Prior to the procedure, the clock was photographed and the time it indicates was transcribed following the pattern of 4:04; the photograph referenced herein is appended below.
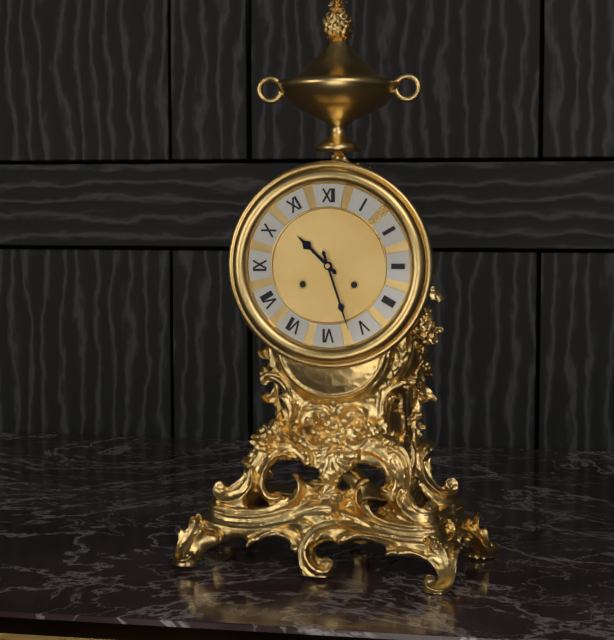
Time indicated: 10:27
